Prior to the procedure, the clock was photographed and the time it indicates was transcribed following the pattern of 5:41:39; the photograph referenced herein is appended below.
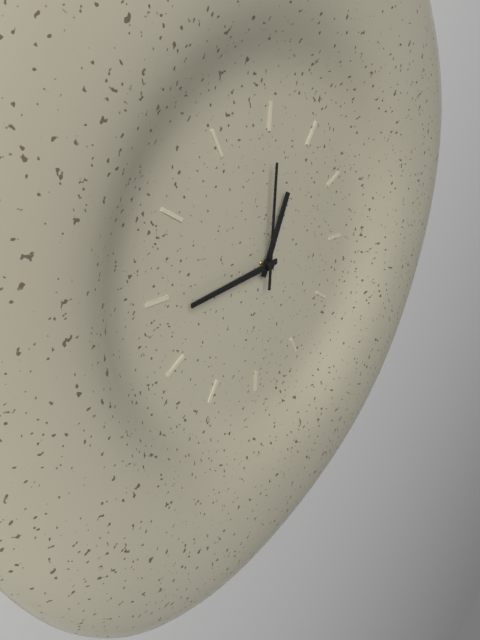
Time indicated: 12:44:00
